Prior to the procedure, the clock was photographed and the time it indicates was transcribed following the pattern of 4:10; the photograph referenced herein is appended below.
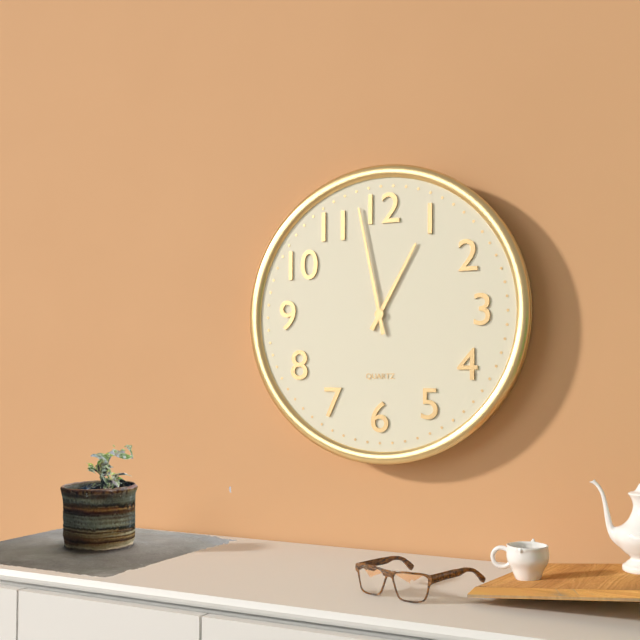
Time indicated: 12:58
